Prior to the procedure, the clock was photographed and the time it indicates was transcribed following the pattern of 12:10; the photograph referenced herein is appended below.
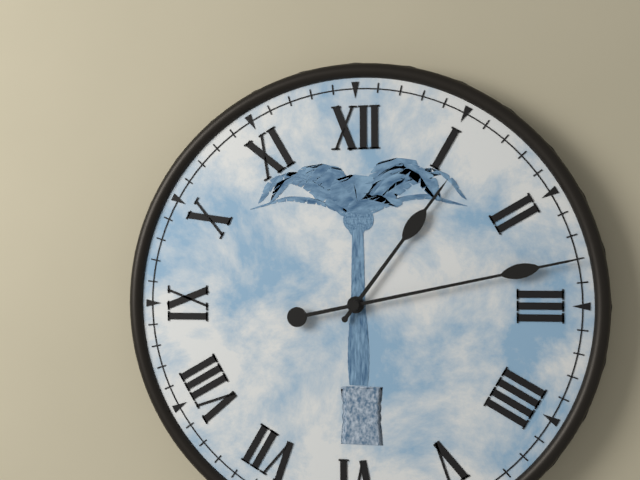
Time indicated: 1:13
